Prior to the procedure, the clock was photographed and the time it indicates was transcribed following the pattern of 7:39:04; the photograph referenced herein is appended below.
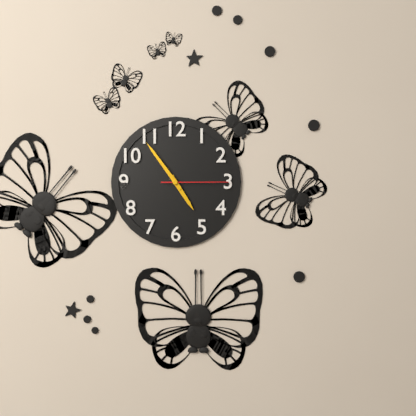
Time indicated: 4:54:15
